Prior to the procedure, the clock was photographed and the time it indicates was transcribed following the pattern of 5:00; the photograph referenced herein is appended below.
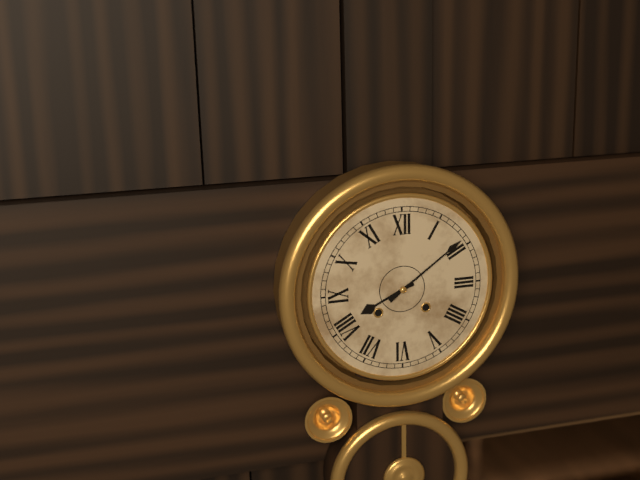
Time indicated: 8:09
